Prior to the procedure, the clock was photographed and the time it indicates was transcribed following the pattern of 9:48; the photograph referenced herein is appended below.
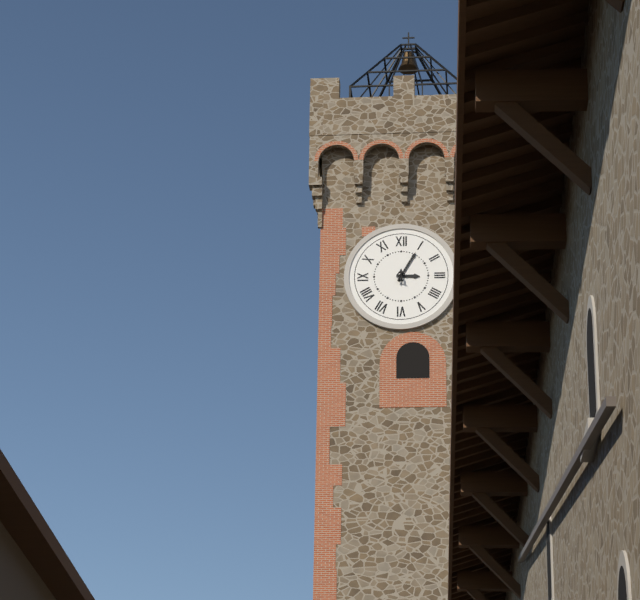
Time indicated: 3:05
